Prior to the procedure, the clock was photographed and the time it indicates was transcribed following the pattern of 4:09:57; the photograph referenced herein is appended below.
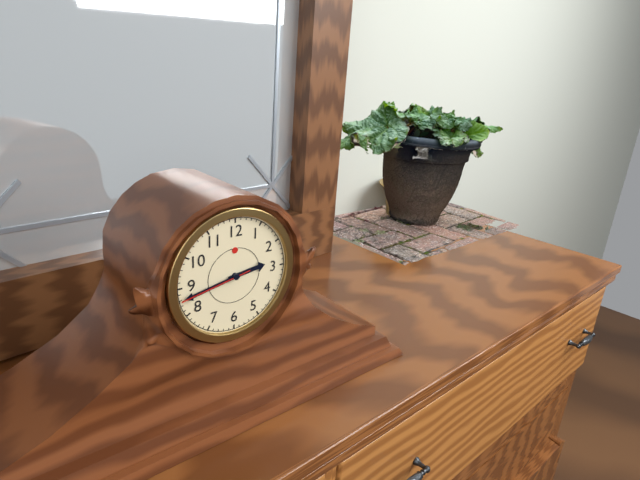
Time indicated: 2:43:43
